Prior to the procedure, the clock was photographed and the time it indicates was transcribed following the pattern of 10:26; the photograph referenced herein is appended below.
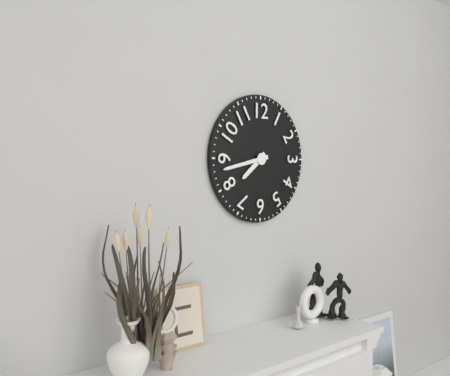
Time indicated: 7:43
